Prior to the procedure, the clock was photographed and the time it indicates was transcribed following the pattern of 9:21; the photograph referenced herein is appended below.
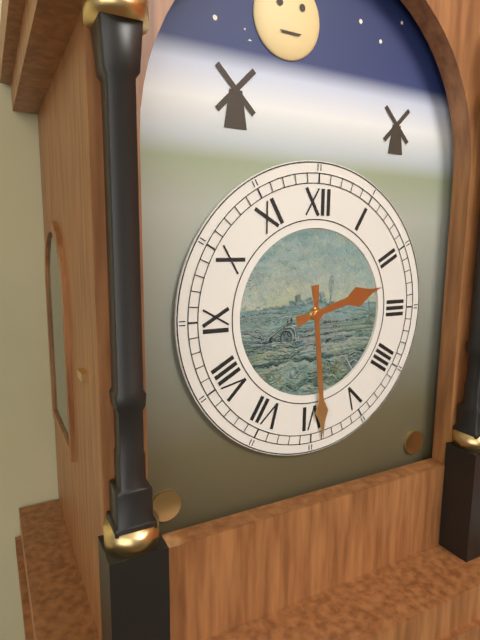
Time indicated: 2:29
